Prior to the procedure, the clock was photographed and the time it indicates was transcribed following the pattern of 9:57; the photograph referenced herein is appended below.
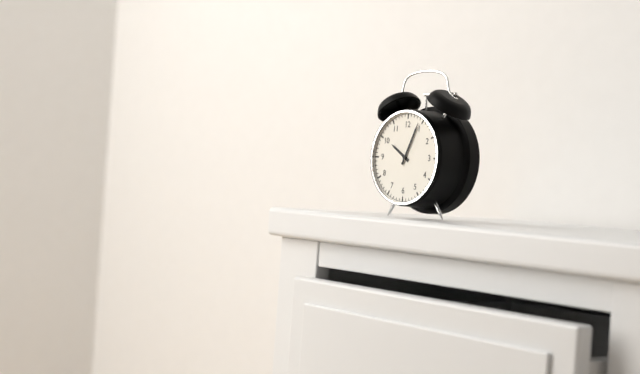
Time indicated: 10:04
